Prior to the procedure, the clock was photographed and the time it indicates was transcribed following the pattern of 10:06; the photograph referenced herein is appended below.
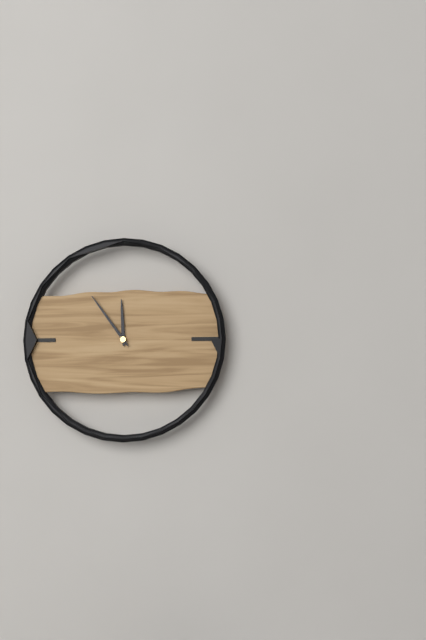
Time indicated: 11:54
